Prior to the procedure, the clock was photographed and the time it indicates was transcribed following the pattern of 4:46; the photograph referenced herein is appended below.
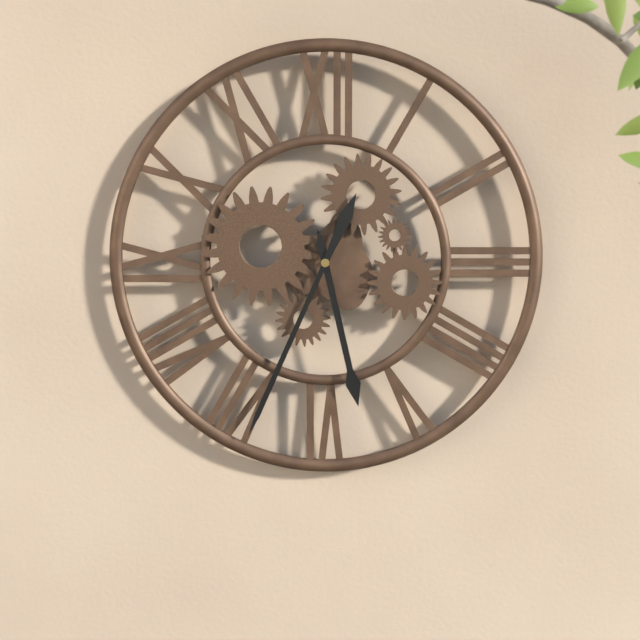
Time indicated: 5:34
